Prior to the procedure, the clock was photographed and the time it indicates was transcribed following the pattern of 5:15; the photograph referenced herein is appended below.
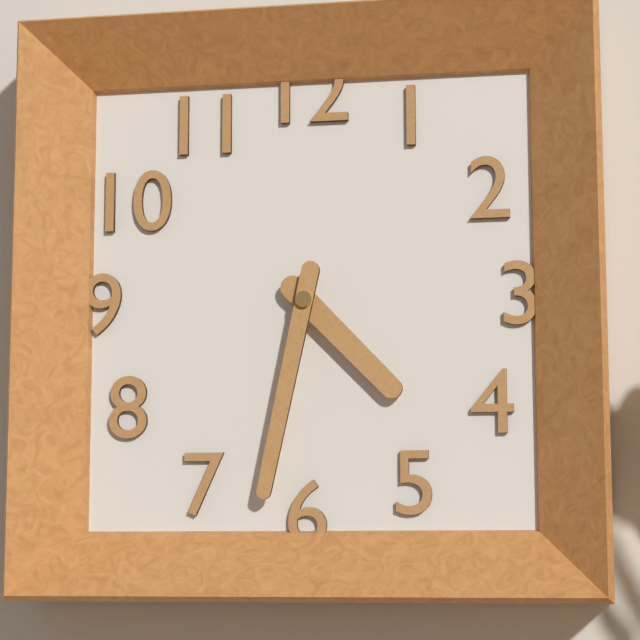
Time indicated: 4:32
